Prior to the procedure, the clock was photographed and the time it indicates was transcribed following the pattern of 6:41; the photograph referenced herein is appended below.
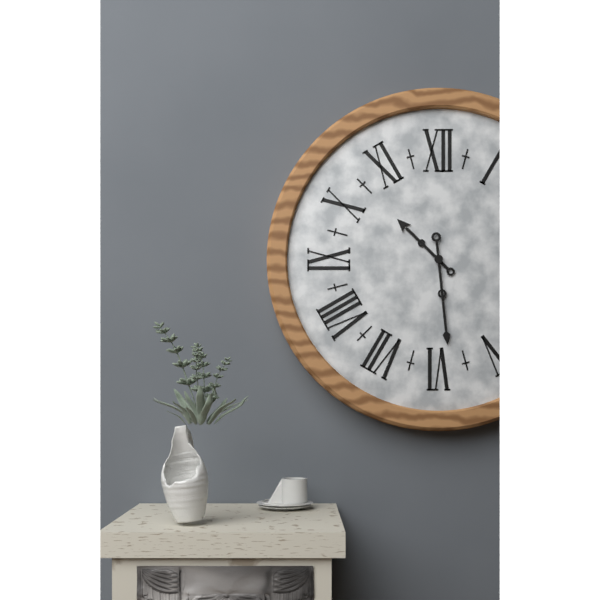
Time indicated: 10:29
